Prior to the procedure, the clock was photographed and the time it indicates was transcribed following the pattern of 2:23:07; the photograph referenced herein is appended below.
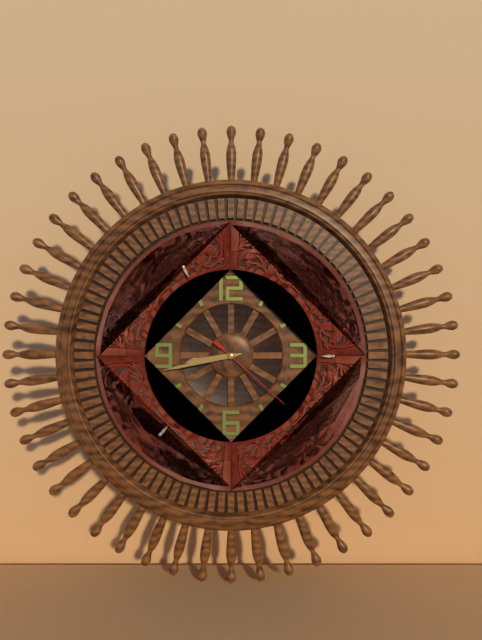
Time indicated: 8:43:22
